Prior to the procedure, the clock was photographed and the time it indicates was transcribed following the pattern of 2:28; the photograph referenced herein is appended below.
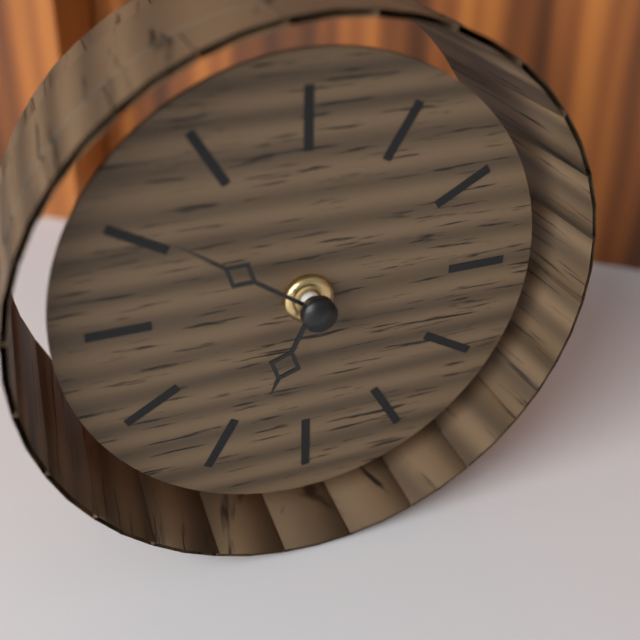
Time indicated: 6:51
